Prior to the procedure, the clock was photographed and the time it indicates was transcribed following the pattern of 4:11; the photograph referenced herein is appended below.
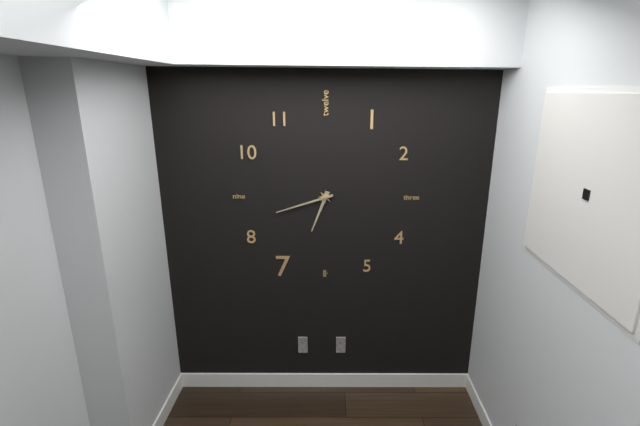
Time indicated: 6:42
